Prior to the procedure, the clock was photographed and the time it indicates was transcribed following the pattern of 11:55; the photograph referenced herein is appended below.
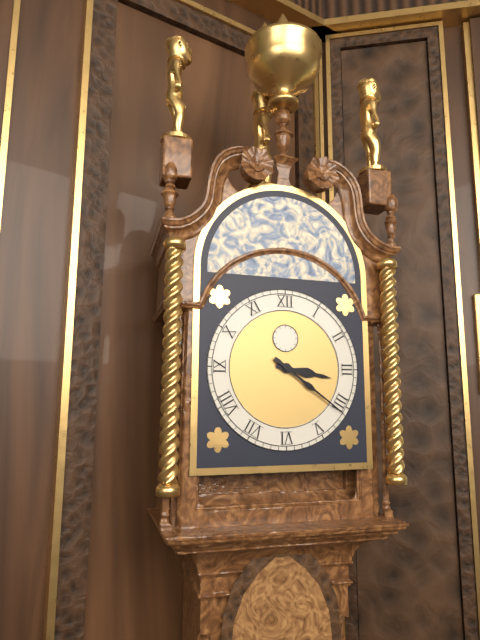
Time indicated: 3:21
